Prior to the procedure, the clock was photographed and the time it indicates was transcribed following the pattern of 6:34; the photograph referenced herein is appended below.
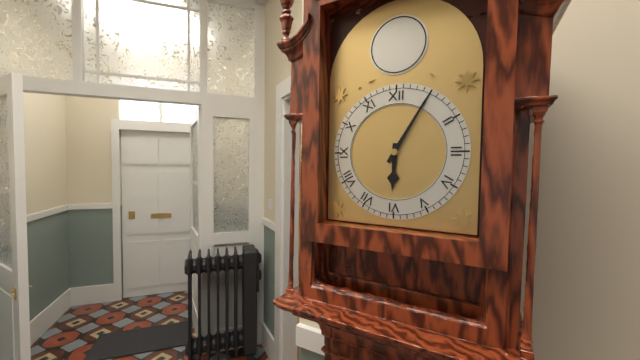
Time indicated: 6:05
